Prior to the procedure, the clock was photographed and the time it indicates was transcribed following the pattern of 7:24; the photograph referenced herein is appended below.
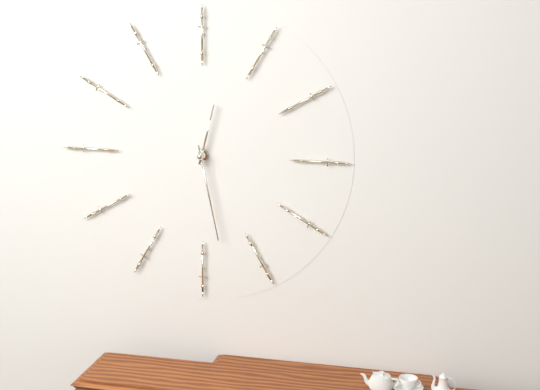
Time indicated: 12:28
